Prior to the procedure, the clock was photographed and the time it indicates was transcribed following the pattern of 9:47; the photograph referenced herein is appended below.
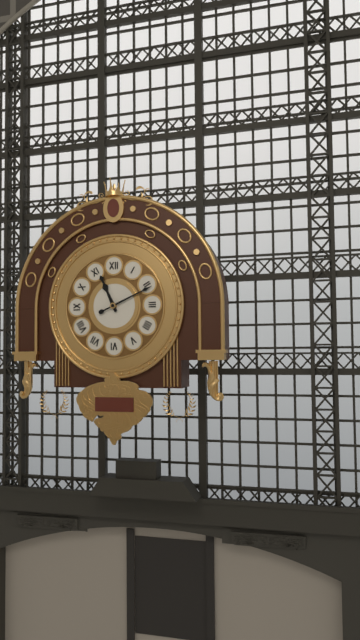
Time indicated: 11:11
